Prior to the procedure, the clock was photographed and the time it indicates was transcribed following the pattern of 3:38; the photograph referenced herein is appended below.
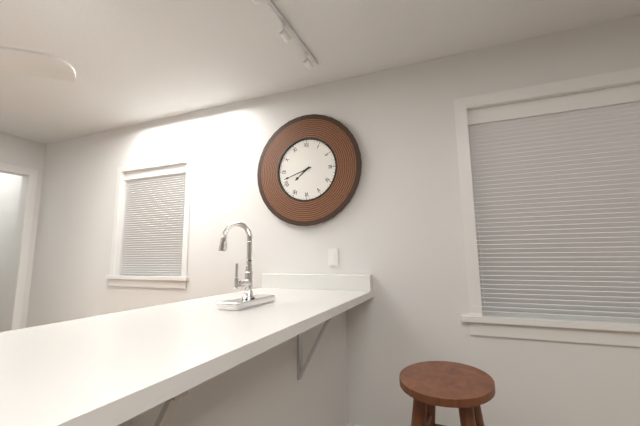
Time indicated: 7:42
